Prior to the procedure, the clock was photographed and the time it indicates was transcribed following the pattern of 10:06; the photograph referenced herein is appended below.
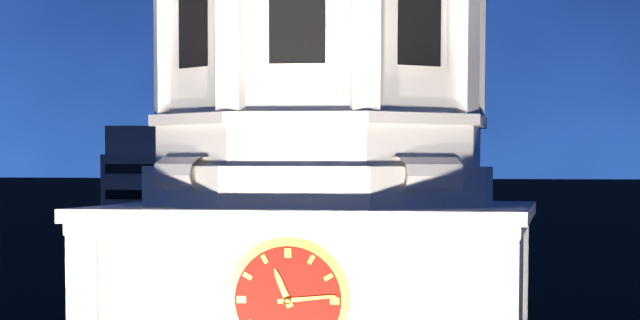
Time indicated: 11:14
